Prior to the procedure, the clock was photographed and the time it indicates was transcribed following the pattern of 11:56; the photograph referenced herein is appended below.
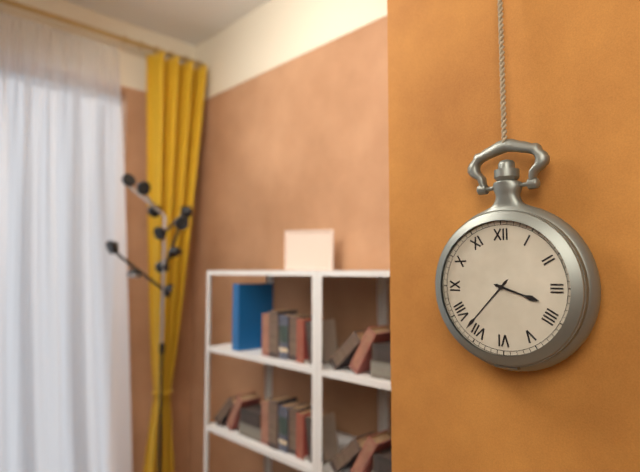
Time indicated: 3:37
